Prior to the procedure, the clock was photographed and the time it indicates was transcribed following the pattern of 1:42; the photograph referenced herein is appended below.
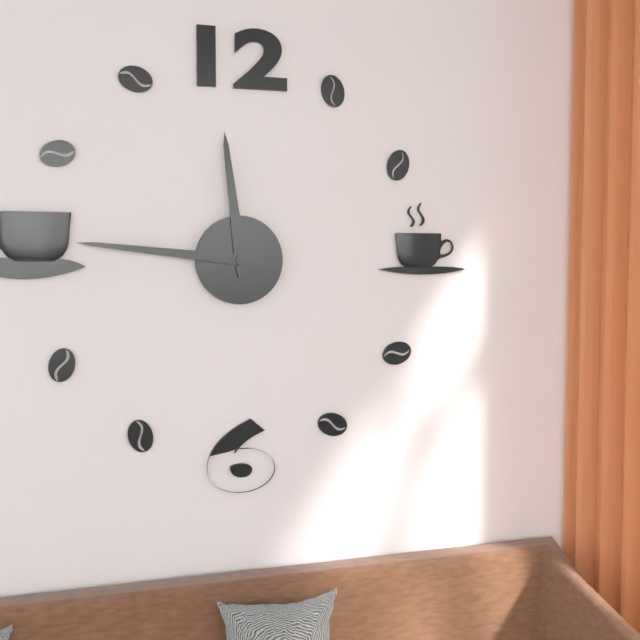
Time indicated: 11:46
